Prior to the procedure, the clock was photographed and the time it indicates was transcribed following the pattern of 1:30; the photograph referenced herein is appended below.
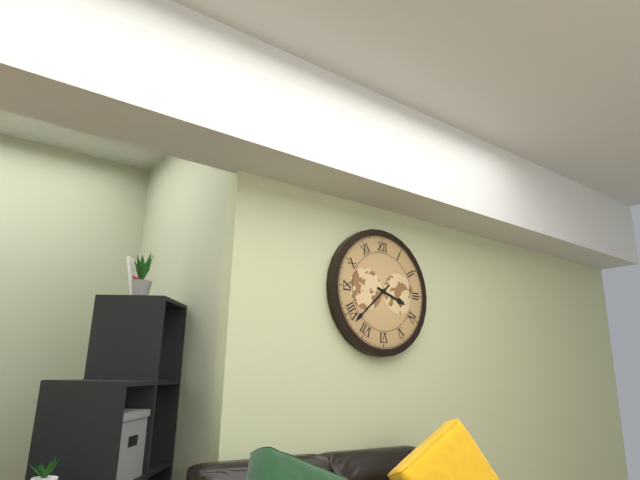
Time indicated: 3:38
